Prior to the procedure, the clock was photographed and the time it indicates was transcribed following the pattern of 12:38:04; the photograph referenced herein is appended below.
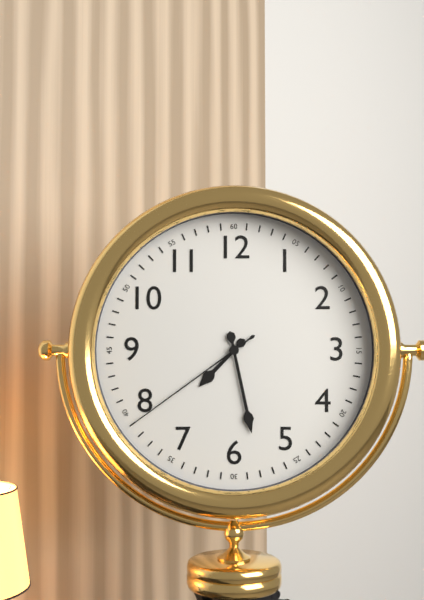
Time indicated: 7:28:39
